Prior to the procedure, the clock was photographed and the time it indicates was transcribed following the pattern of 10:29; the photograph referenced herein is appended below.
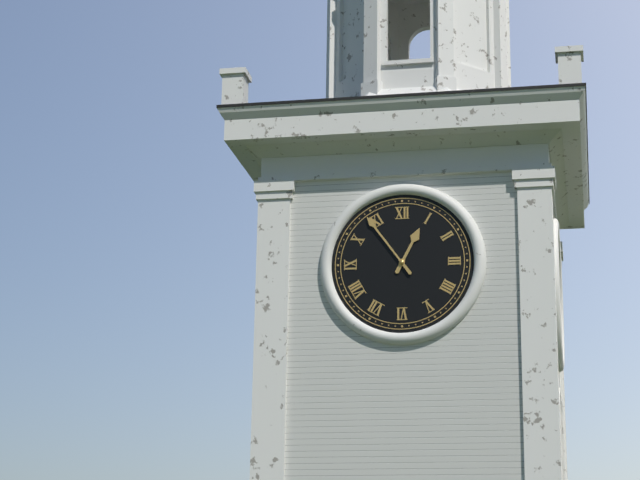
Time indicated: 12:54
